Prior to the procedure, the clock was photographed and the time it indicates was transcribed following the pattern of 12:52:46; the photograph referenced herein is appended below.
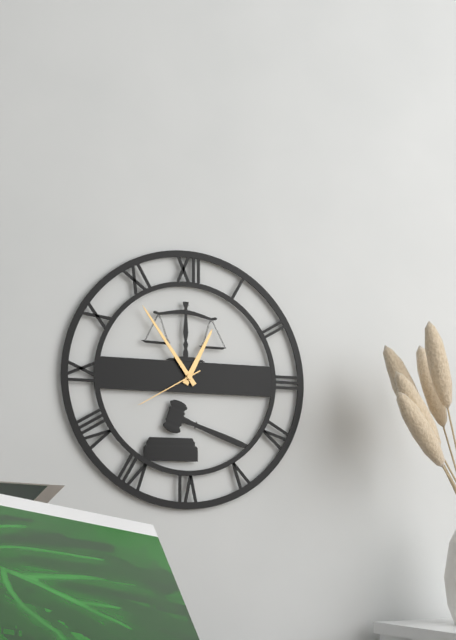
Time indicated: 12:54:40
